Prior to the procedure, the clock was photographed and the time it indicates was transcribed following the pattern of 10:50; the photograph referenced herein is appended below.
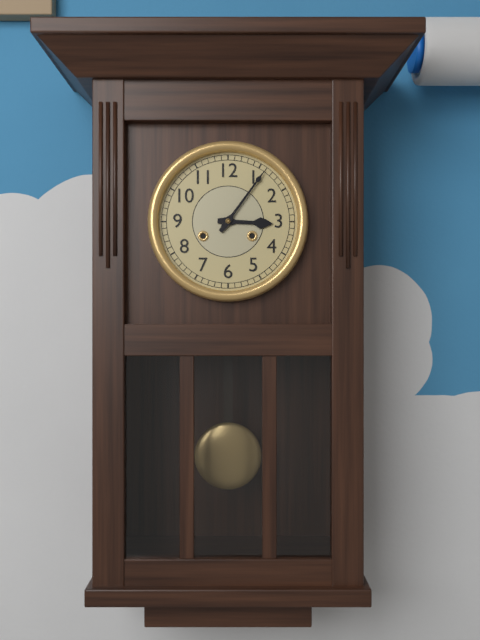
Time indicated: 3:06
